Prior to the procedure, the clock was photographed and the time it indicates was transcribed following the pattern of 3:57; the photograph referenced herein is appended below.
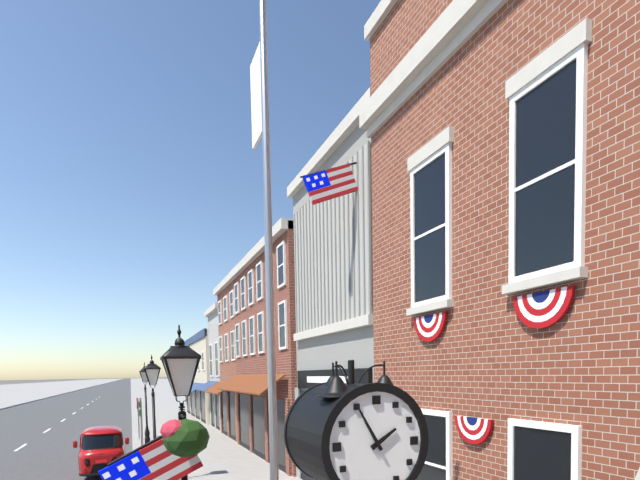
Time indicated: 1:55
